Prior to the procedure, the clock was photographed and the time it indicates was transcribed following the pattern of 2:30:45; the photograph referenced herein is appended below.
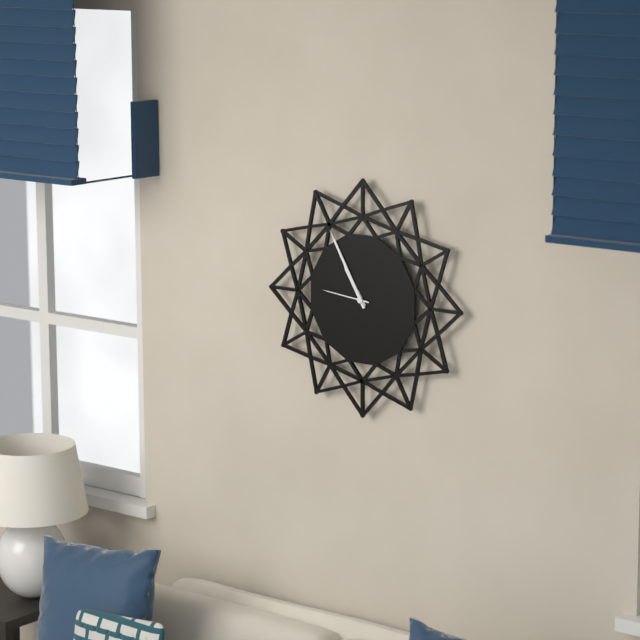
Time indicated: 10:55:46
